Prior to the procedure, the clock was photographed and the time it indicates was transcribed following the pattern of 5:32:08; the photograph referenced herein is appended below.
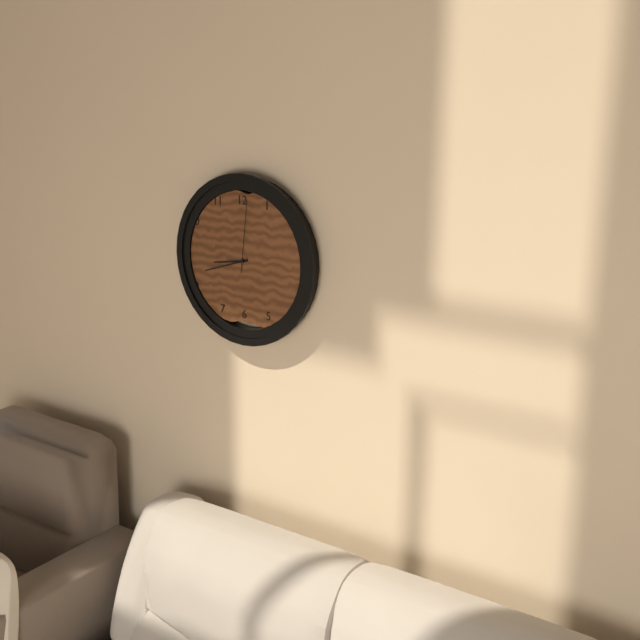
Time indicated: 8:42:01
